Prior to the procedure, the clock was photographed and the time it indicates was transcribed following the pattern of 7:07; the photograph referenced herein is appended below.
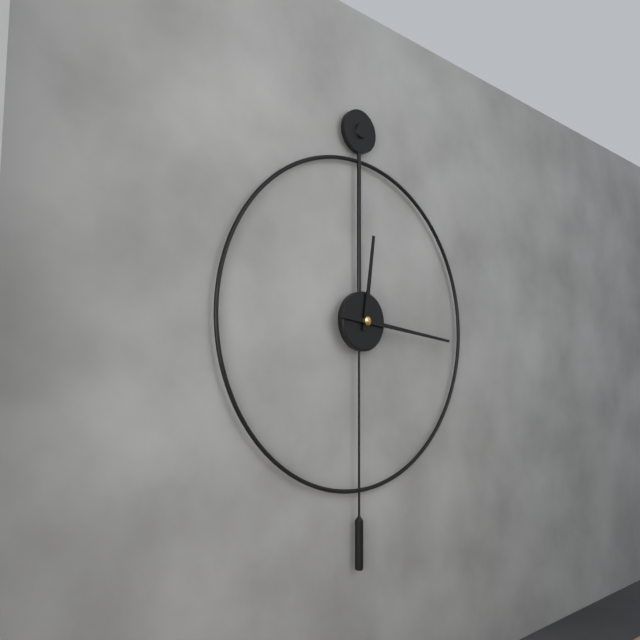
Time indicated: 12:16
